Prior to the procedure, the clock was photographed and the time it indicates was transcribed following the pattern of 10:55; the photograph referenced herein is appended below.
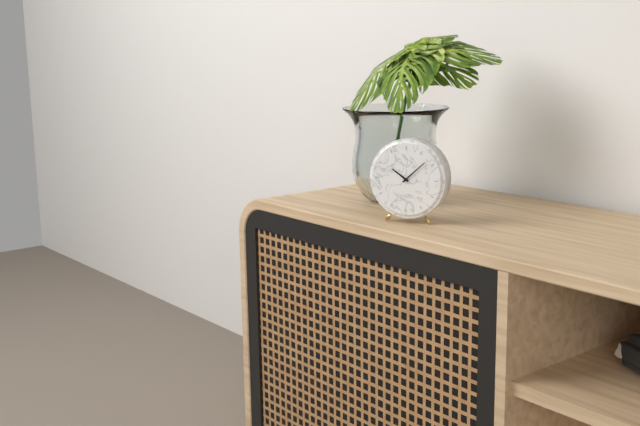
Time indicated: 10:08
